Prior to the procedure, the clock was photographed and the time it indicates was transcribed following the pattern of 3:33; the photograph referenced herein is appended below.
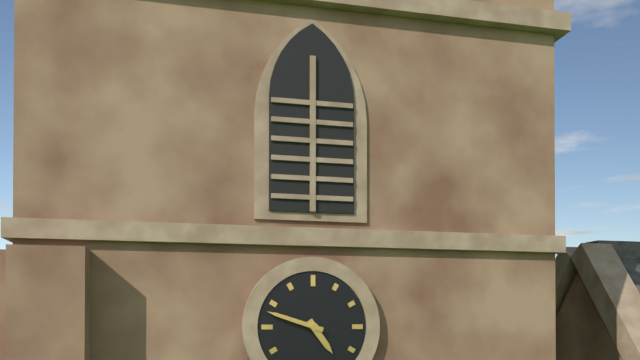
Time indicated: 4:48
